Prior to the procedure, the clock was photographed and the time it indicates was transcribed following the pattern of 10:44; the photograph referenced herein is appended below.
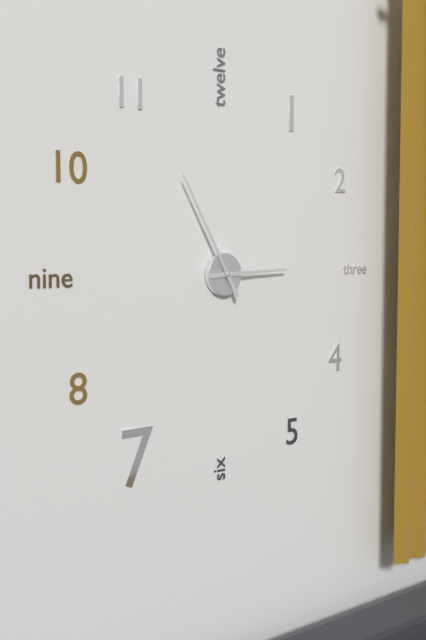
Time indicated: 2:55
